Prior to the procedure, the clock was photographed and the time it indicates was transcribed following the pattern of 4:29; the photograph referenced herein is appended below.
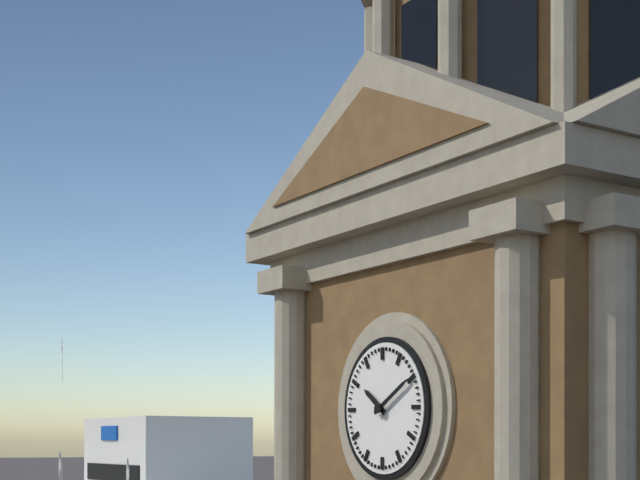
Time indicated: 10:10
